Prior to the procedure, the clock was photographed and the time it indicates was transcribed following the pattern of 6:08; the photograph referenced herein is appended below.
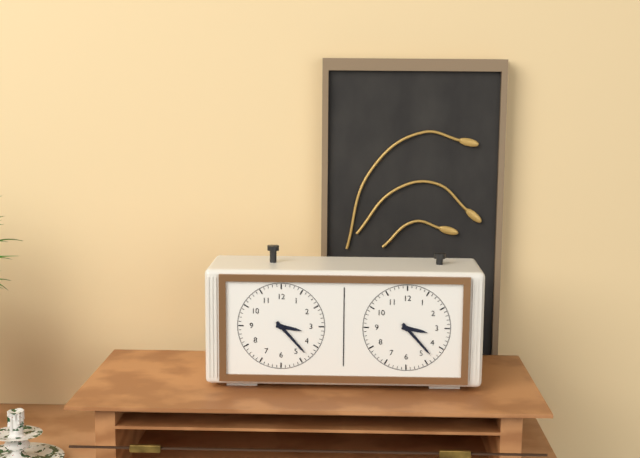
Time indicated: 3:23
